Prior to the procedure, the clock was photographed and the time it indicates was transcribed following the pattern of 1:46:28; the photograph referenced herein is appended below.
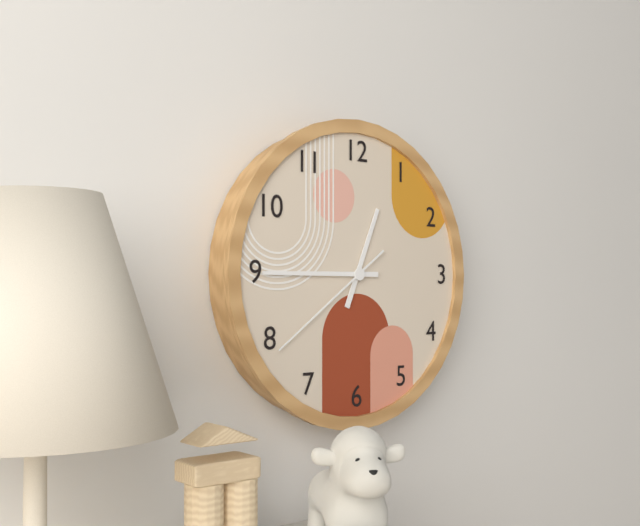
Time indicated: 12:45:39
